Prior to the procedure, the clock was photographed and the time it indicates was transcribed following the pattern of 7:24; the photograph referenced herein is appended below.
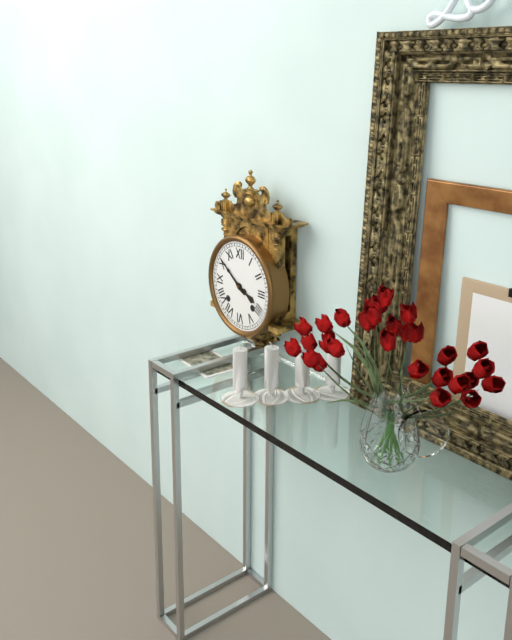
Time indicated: 3:51
